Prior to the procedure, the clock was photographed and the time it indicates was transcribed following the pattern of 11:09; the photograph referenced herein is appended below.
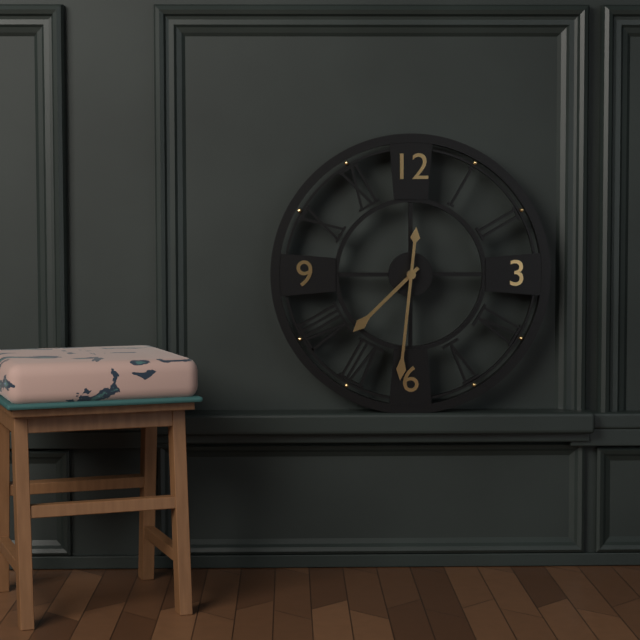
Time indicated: 7:31
